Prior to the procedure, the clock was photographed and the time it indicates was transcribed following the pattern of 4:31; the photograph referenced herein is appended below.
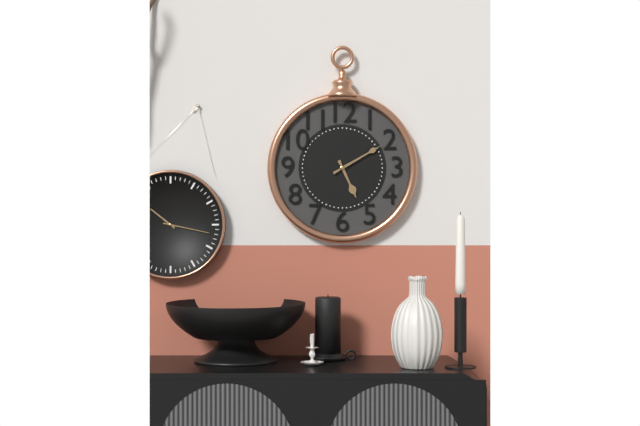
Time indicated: 5:10
